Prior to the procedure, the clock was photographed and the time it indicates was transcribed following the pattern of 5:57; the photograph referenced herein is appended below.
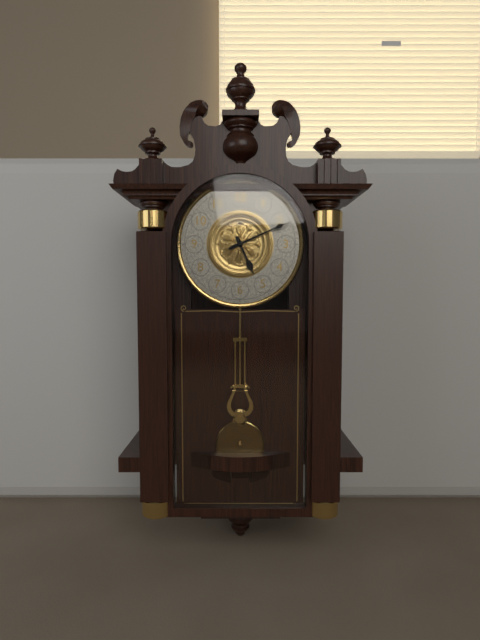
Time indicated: 5:11
